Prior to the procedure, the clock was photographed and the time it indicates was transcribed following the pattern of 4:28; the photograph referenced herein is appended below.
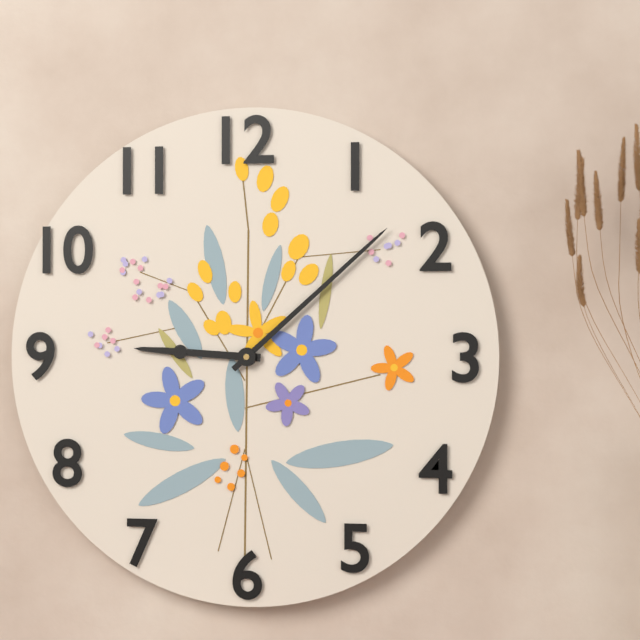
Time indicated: 9:08
